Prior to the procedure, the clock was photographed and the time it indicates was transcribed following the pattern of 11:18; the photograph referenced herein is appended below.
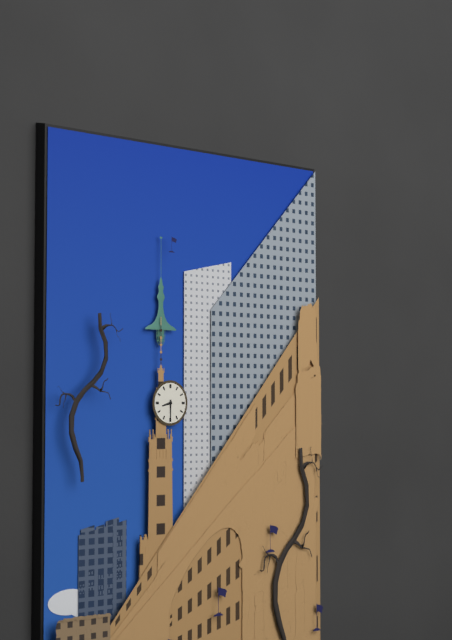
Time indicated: 8:30
